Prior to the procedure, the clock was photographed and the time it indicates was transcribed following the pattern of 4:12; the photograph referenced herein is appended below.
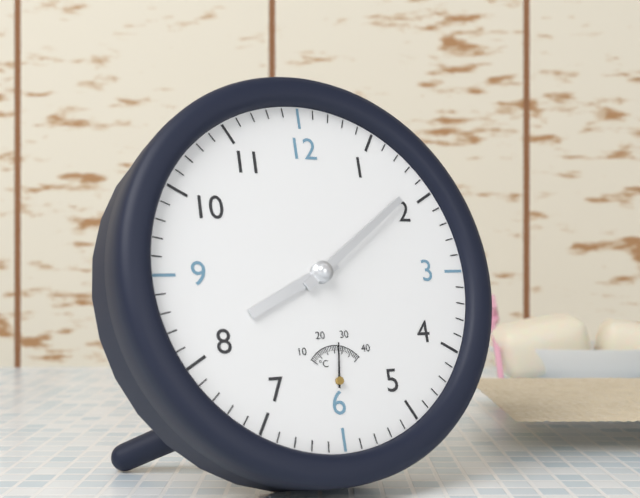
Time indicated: 8:09
